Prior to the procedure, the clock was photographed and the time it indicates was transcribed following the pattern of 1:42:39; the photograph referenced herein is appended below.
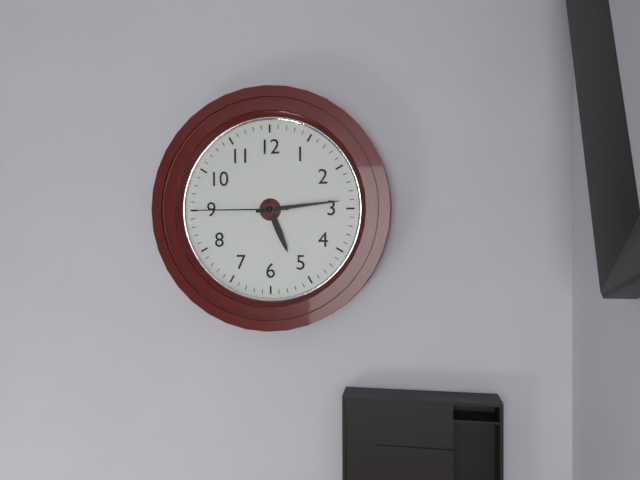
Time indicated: 5:14:45
